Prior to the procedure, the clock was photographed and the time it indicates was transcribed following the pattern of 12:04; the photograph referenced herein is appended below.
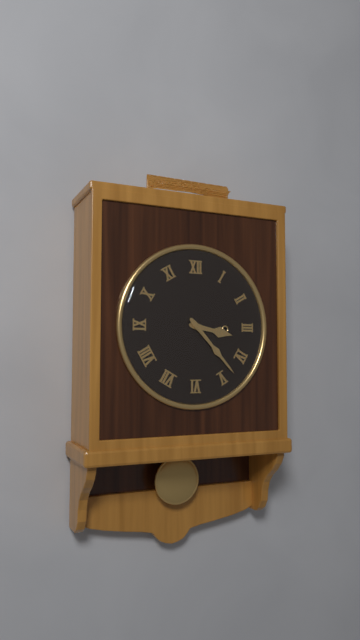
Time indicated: 3:23
